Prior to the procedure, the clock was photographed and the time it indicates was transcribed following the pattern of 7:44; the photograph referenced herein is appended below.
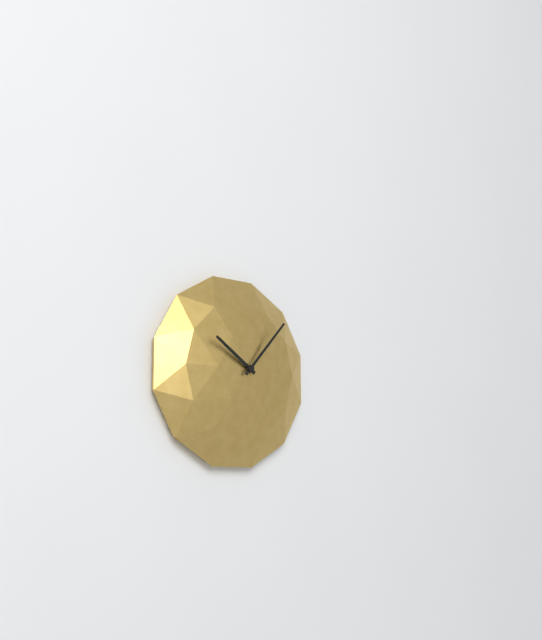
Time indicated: 10:07
